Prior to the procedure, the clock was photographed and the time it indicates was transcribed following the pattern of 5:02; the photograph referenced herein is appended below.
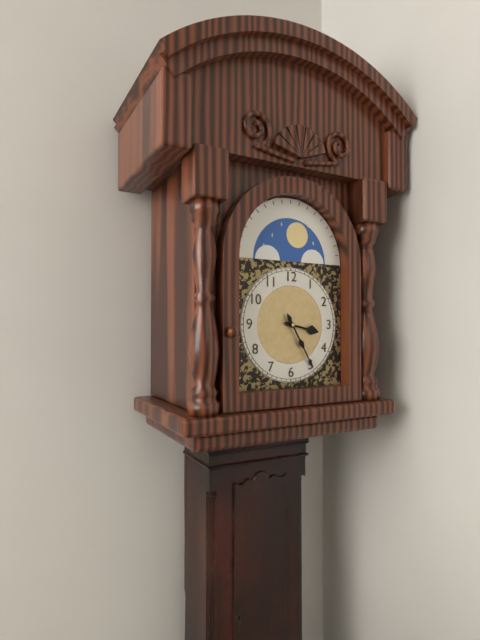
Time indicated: 3:25
